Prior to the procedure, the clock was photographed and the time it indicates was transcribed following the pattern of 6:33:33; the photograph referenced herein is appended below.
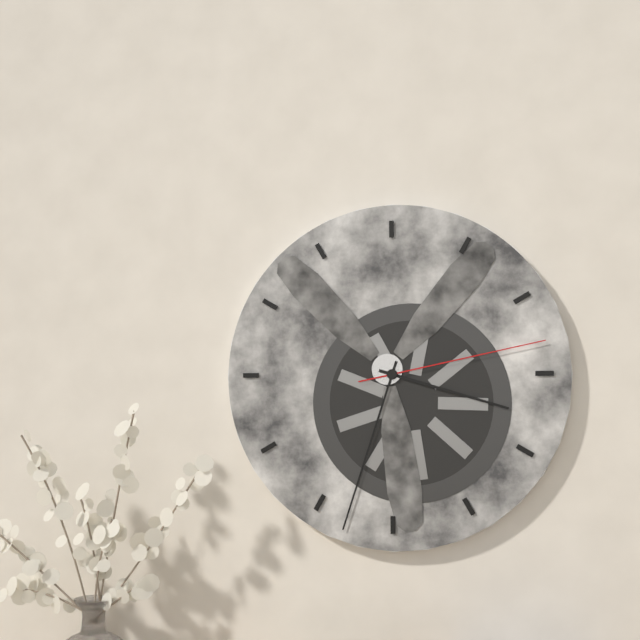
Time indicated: 3:33:13
